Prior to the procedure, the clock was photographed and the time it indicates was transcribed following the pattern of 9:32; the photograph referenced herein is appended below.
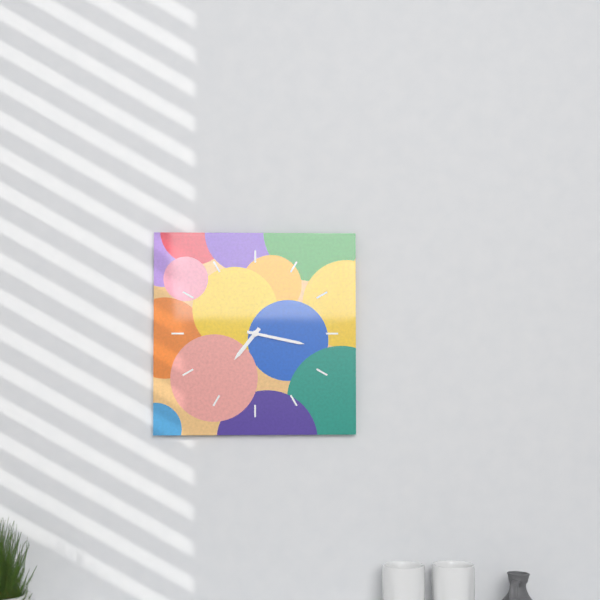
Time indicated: 7:17
